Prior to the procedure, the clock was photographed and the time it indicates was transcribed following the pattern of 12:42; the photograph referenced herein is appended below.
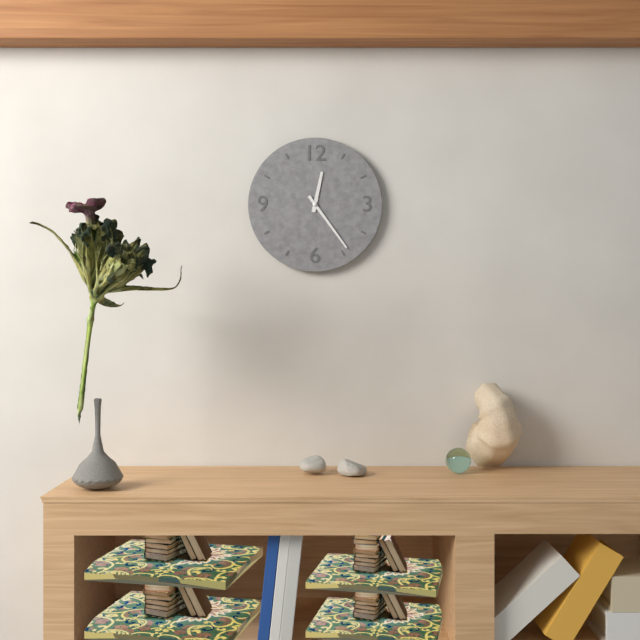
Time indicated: 12:24
